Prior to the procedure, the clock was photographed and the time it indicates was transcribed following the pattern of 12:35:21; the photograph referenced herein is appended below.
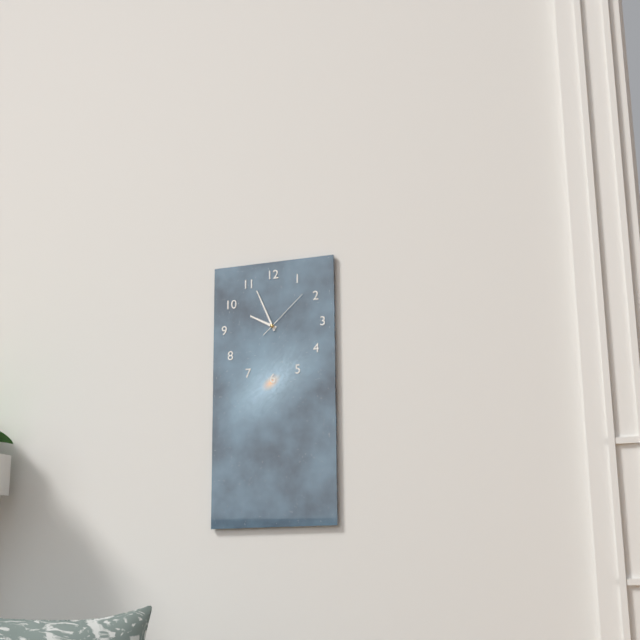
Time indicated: 9:56:08
